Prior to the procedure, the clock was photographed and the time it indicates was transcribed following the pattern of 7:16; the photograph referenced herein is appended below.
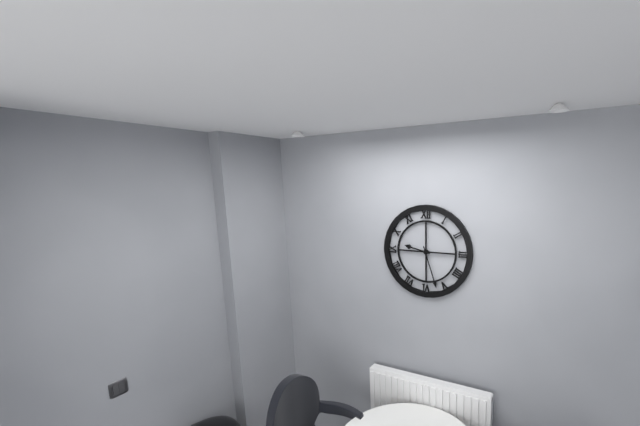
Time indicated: 9:27
